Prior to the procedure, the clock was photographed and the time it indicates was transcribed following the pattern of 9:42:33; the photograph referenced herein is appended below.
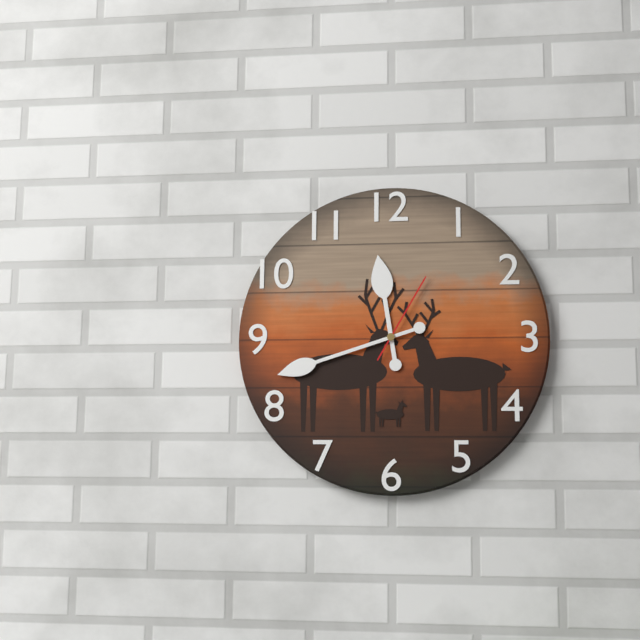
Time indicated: 11:42:05
